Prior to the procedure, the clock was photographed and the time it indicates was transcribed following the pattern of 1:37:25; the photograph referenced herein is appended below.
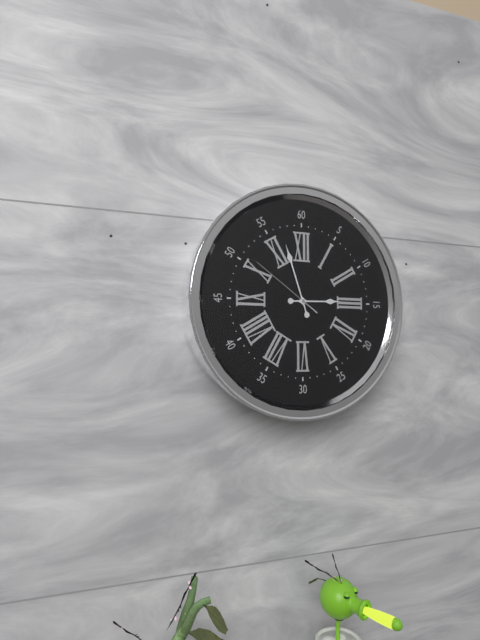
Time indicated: 2:57:51
